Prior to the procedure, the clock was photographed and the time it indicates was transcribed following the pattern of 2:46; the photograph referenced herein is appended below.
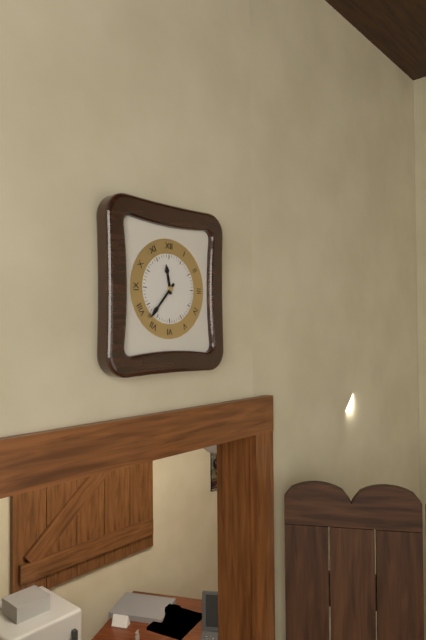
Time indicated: 11:37
